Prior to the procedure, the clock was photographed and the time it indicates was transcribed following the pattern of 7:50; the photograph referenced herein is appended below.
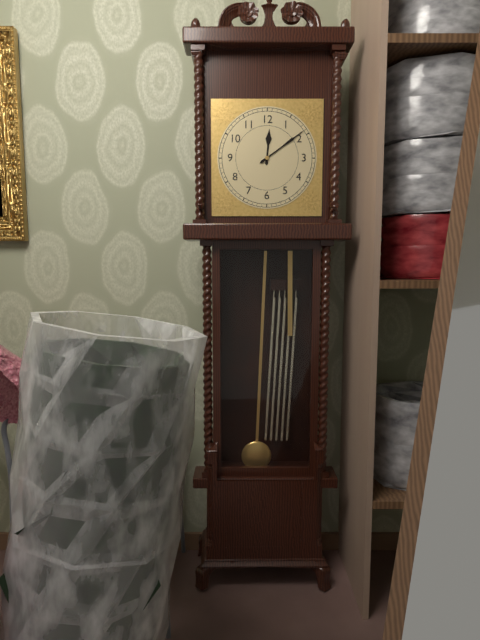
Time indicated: 12:09
